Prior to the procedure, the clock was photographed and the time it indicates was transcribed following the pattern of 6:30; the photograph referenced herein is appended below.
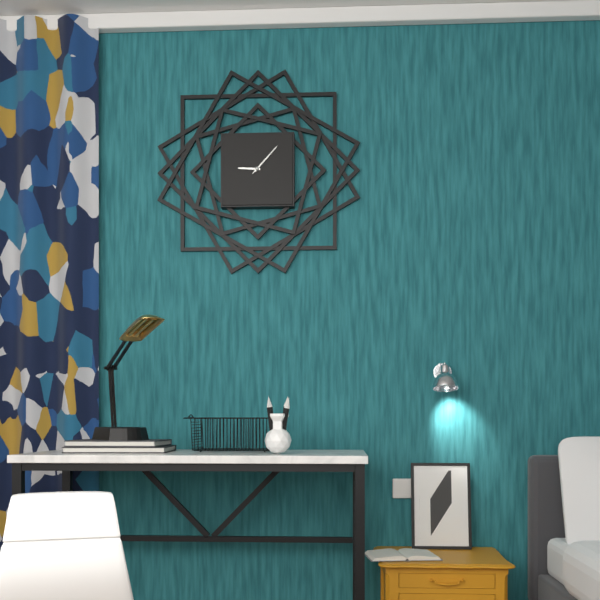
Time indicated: 9:07
